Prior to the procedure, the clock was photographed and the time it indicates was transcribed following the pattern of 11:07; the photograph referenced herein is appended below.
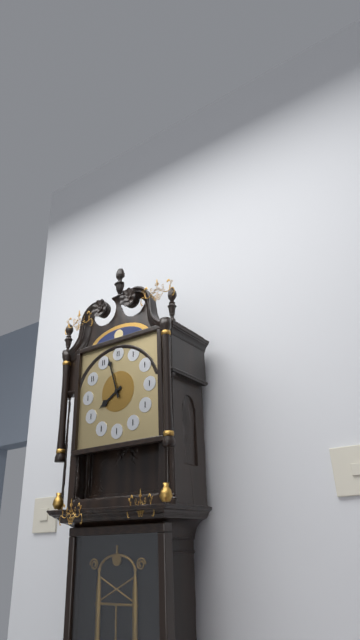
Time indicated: 7:57
